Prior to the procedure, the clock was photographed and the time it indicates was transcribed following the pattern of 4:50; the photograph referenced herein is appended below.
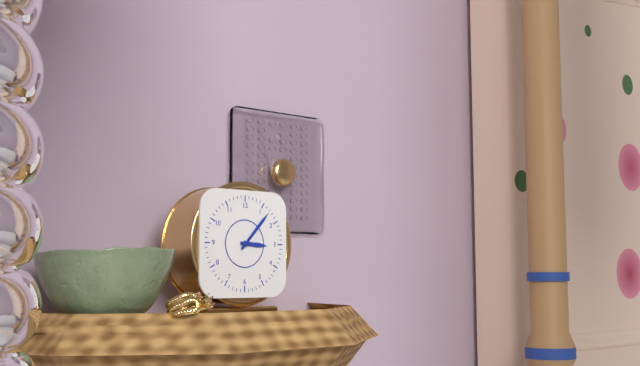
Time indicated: 3:07
